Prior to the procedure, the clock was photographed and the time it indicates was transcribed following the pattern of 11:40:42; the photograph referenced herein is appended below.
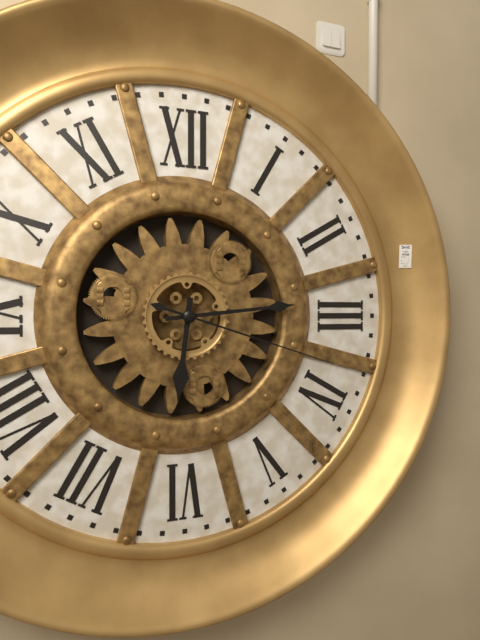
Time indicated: 6:14:18
